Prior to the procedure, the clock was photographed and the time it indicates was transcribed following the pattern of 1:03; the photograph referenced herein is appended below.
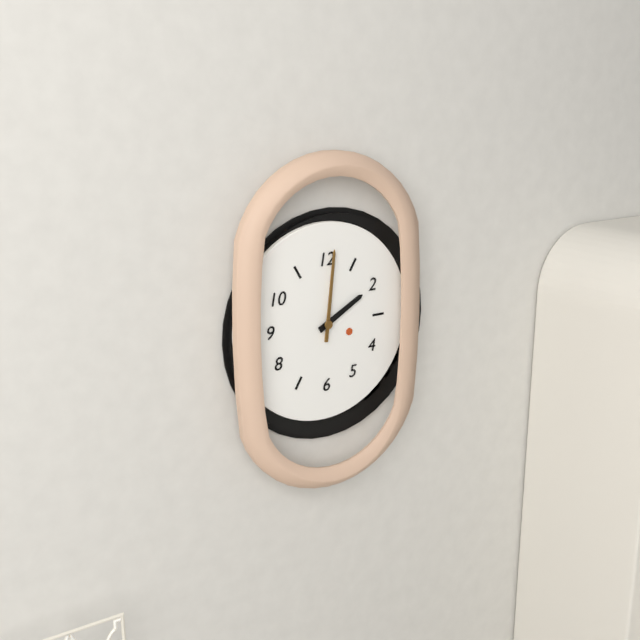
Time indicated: 2:01
